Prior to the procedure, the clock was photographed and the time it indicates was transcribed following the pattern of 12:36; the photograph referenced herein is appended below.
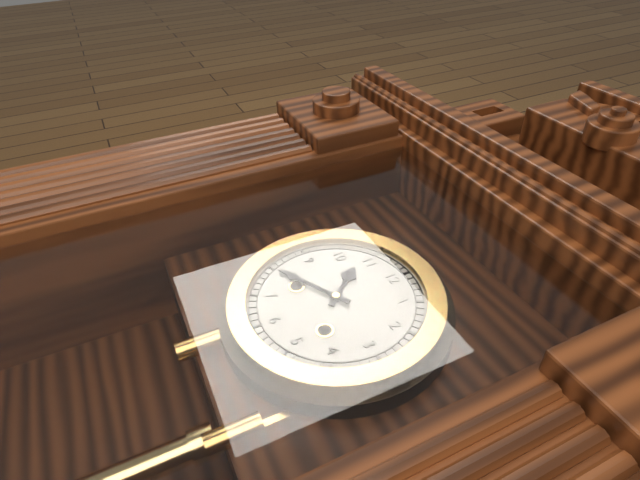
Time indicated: 10:40
